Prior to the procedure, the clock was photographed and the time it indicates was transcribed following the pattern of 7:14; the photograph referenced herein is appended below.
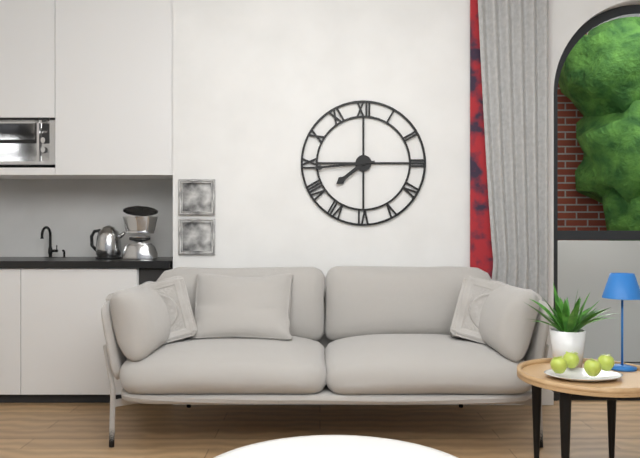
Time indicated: 7:44
